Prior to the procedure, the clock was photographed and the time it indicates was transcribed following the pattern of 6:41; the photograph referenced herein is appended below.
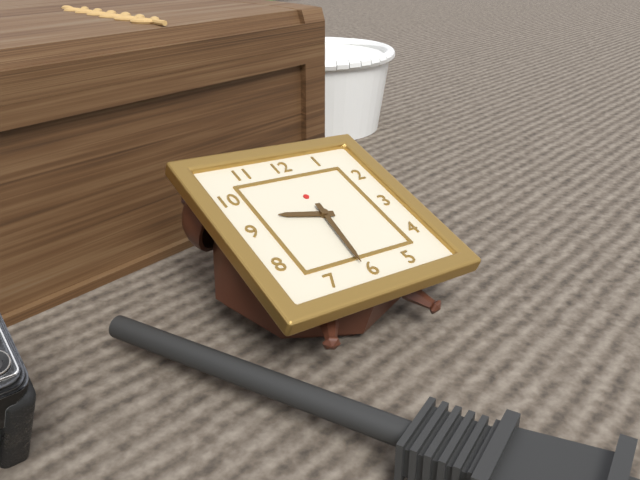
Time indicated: 9:31
